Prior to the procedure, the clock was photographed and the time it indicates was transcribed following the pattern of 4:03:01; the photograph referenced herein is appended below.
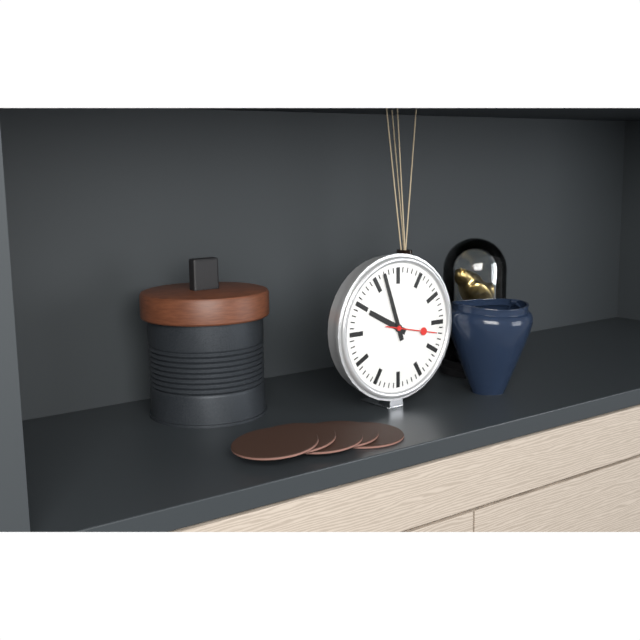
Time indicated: 9:57:17
